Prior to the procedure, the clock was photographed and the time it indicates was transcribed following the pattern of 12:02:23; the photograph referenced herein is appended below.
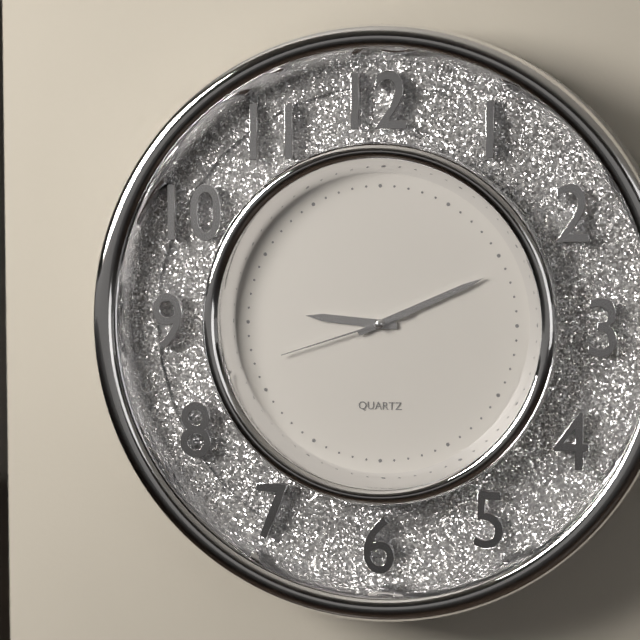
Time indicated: 9:11:42
